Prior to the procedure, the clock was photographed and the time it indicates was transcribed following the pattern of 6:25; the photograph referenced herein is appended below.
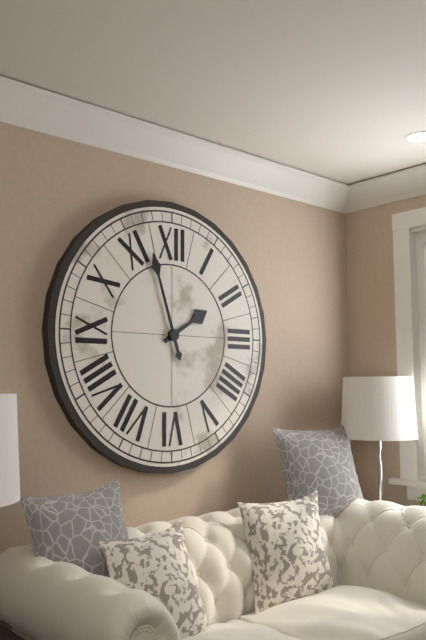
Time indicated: 1:57
